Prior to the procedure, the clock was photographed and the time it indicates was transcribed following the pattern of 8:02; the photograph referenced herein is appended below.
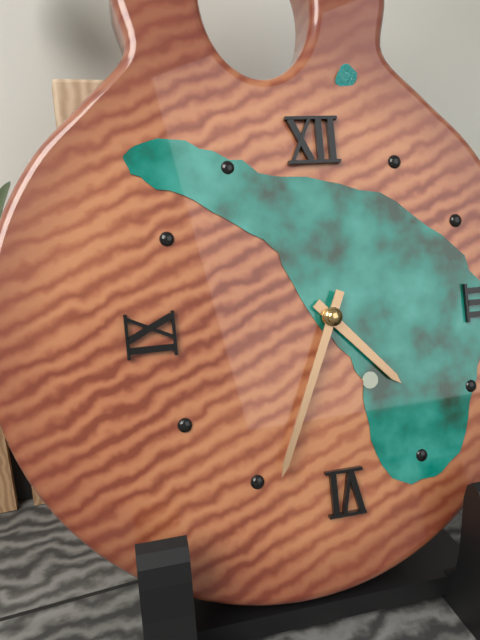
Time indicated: 4:34
